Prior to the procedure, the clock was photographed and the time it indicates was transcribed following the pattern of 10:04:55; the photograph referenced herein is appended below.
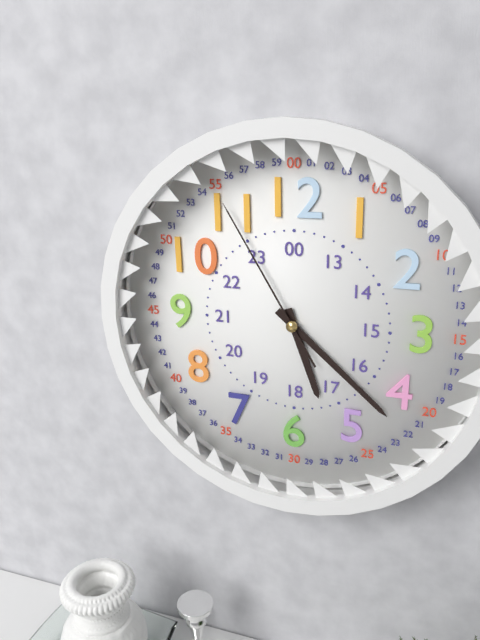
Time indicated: 5:22:55
